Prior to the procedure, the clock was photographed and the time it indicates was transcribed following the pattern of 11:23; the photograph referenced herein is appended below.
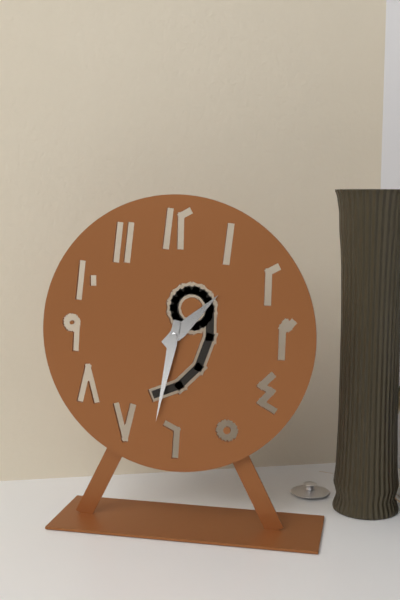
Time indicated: 1:32
